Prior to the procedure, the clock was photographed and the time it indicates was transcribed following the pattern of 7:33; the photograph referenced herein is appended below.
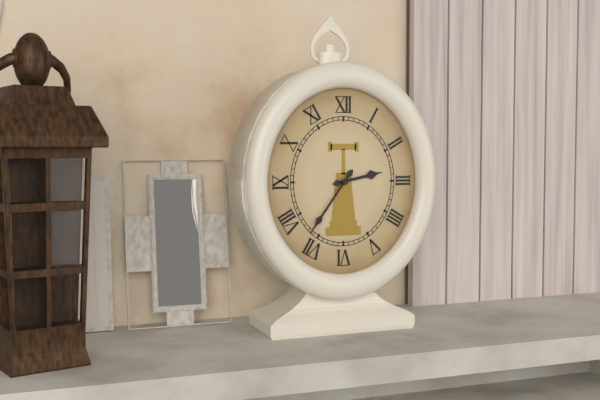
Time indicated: 2:36
